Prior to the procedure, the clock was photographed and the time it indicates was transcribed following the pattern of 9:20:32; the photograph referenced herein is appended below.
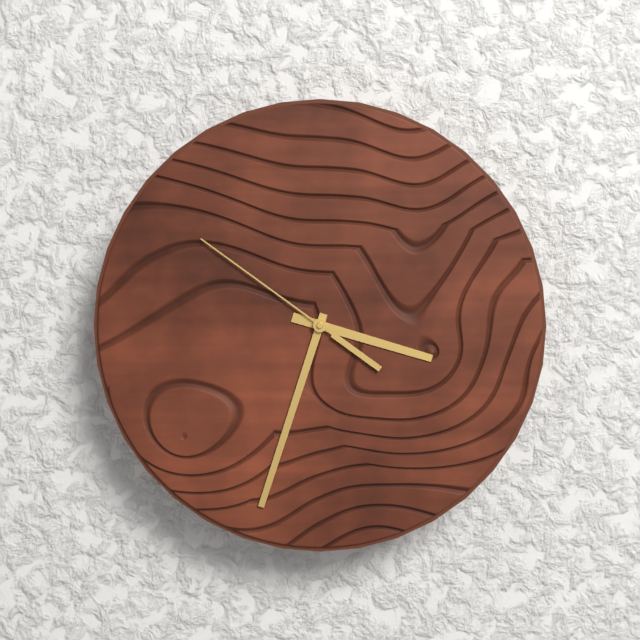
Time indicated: 3:33:51
